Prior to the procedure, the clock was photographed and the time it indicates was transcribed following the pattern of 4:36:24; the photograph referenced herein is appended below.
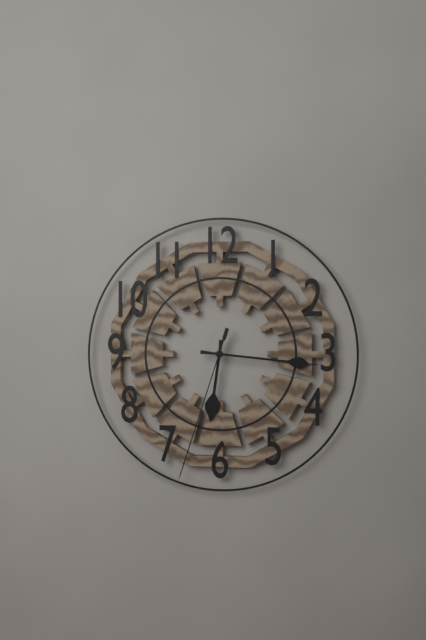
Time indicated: 6:16:33
